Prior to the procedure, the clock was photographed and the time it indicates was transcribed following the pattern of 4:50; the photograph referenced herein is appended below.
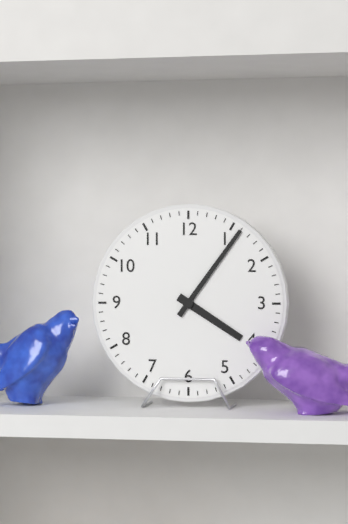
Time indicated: 4:06
